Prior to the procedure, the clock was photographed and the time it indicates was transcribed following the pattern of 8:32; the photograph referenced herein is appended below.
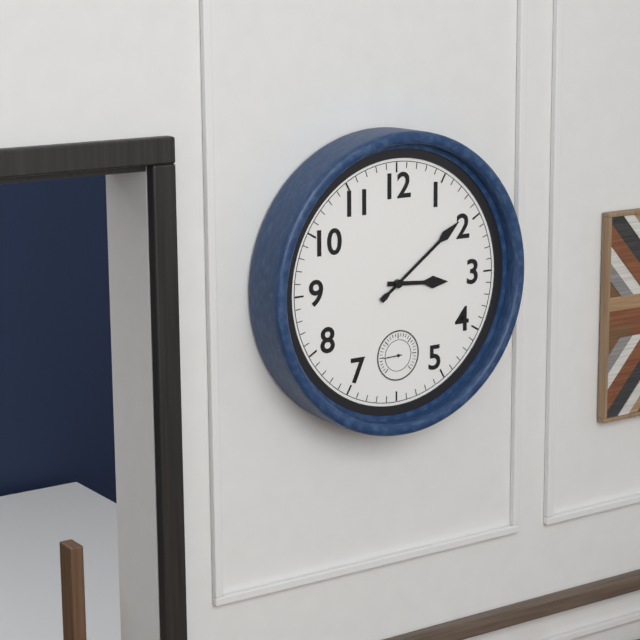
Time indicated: 3:09
